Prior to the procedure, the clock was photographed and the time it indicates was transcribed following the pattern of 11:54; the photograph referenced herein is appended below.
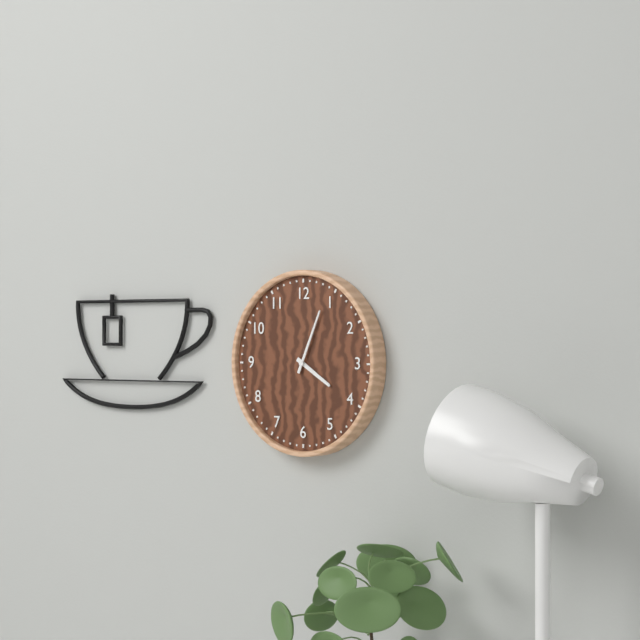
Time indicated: 4:04
